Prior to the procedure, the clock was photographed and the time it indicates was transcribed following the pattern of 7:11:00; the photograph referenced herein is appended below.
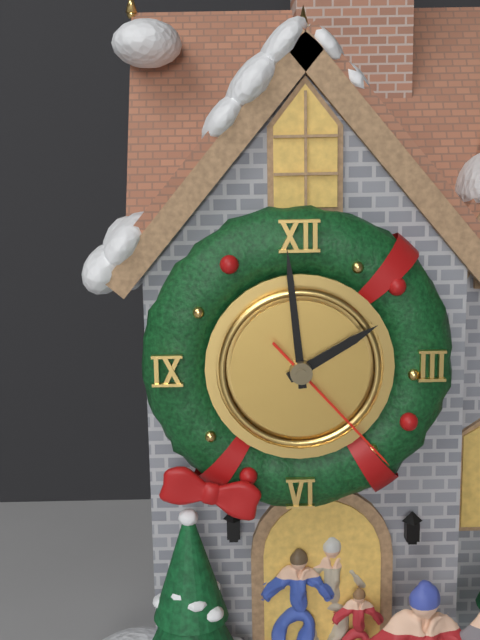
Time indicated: 1:59:23
